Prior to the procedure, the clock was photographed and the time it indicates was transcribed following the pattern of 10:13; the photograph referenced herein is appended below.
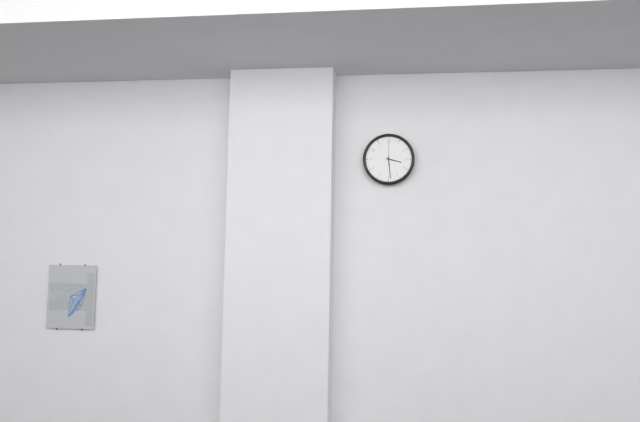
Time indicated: 3:29
